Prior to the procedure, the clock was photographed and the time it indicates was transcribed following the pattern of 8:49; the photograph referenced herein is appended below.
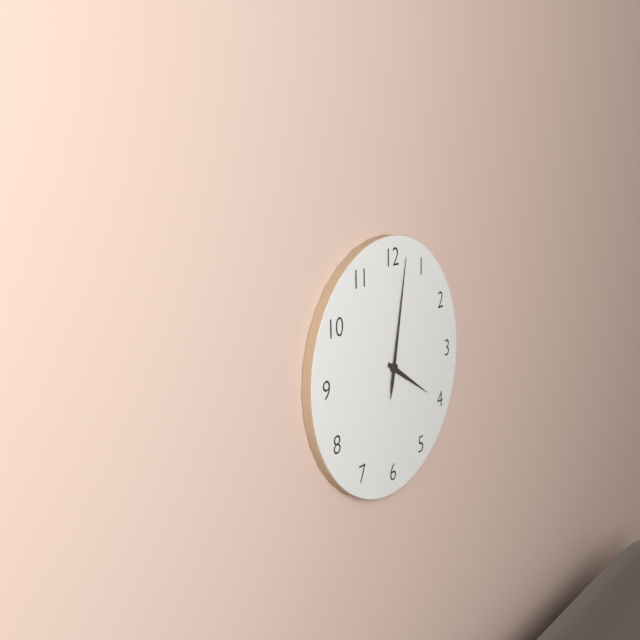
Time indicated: 4:02
